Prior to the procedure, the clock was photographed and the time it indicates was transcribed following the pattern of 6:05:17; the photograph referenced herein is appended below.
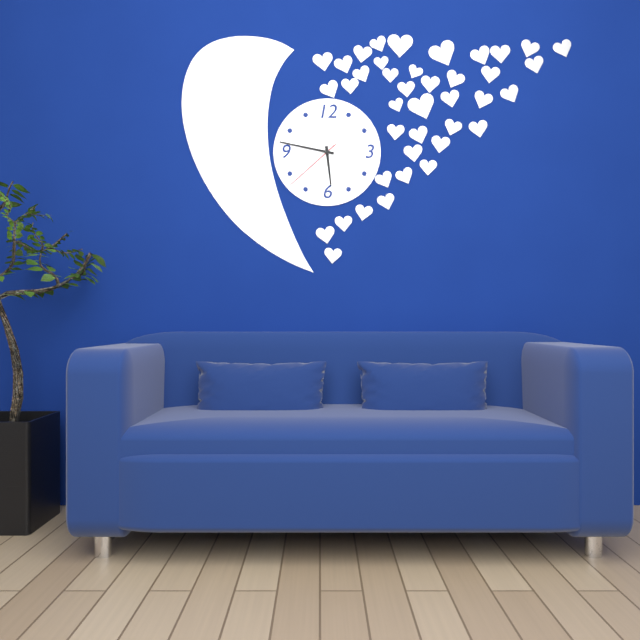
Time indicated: 5:47:38
